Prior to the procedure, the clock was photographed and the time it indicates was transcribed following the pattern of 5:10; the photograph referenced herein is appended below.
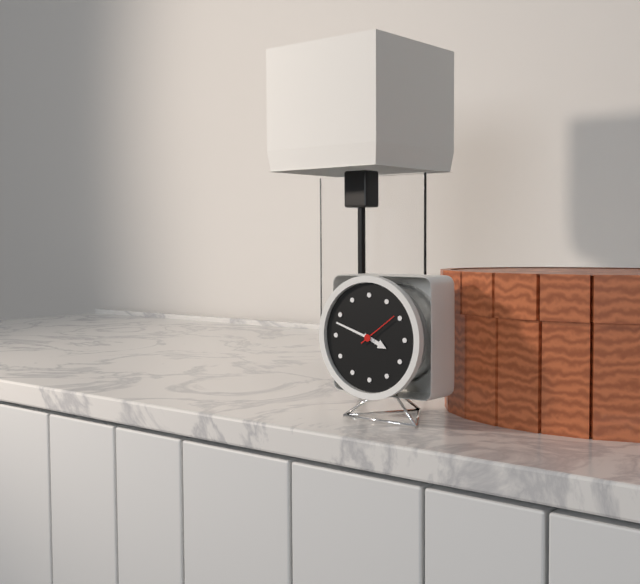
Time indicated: 3:48
